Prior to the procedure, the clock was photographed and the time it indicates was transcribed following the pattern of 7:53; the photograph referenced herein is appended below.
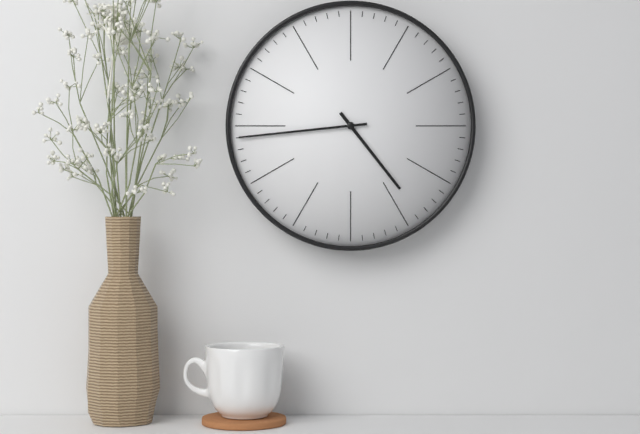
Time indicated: 4:44
